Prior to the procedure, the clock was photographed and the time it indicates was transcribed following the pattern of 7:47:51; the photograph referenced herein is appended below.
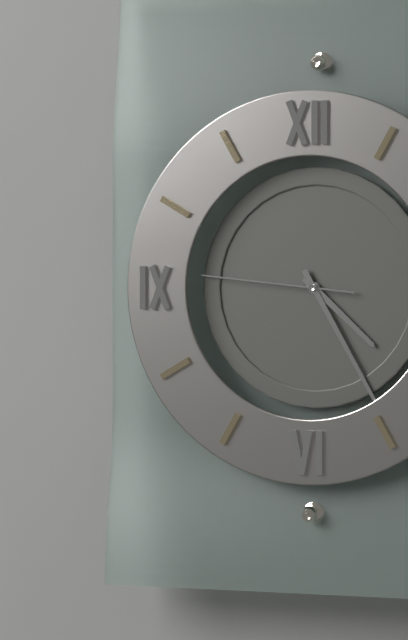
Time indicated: 4:25:46
